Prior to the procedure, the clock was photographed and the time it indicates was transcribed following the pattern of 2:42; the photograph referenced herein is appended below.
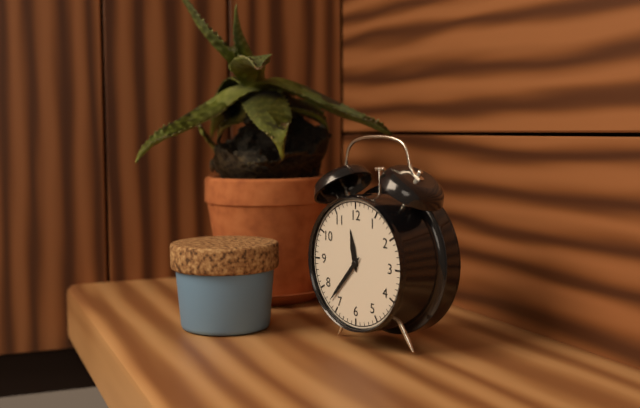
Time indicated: 11:37
